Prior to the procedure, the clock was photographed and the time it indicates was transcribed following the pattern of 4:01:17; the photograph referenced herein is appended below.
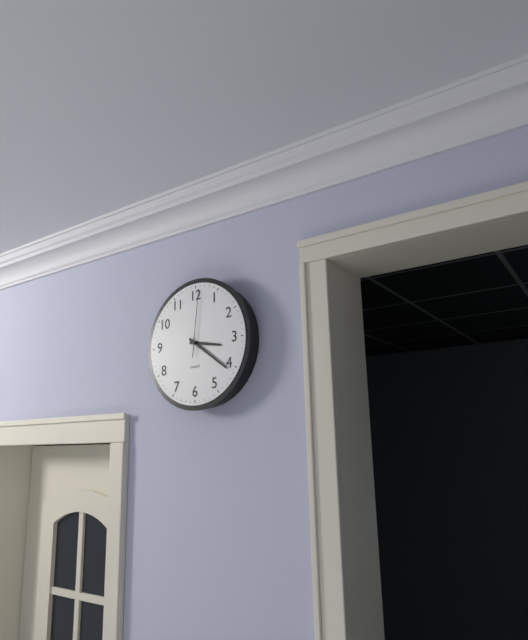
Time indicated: 3:21:01
